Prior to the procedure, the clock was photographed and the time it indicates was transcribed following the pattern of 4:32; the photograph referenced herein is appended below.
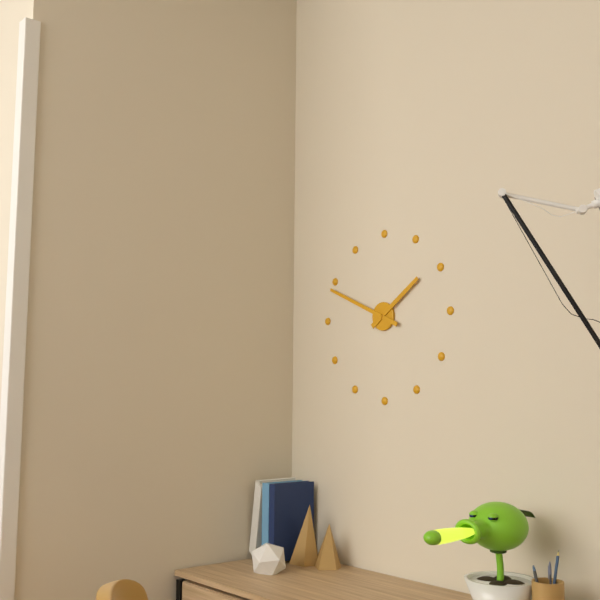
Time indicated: 1:49
